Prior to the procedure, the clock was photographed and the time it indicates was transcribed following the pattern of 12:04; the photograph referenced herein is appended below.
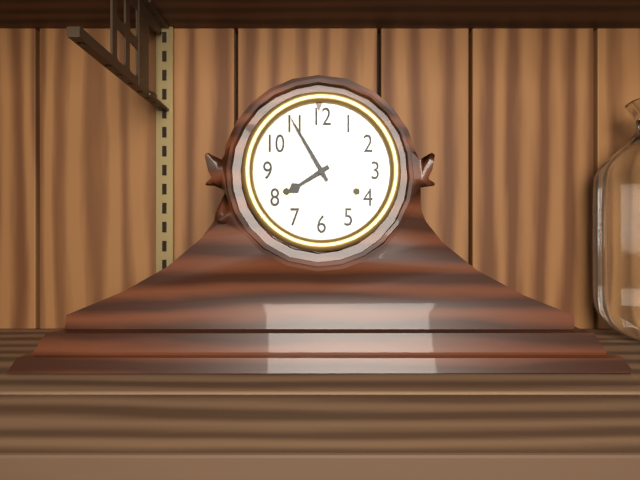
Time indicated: 7:55
